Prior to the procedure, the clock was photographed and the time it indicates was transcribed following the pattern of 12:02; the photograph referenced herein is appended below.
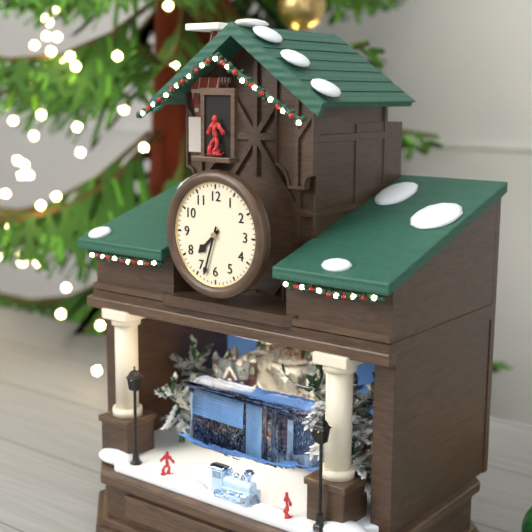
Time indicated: 7:33
